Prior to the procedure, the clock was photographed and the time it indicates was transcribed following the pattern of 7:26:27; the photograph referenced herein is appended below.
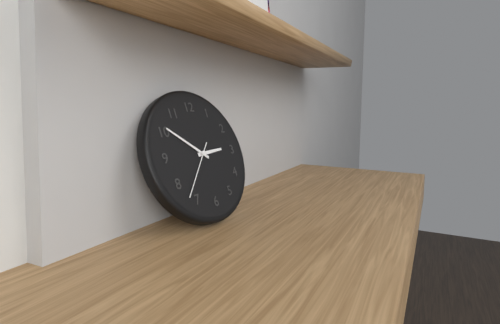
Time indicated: 2:51:37
